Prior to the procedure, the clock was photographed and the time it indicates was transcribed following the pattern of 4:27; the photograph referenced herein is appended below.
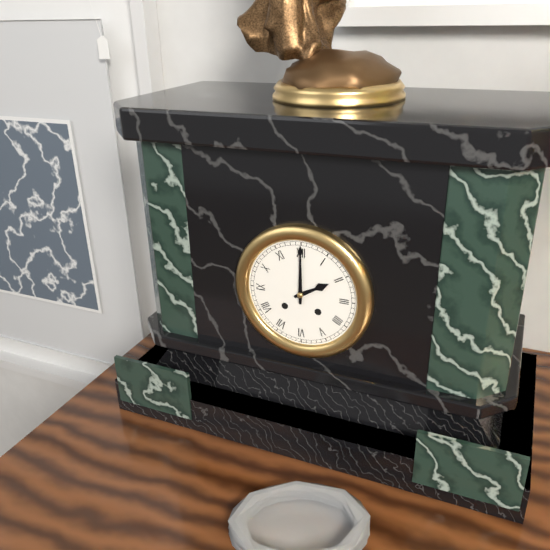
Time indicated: 2:00
